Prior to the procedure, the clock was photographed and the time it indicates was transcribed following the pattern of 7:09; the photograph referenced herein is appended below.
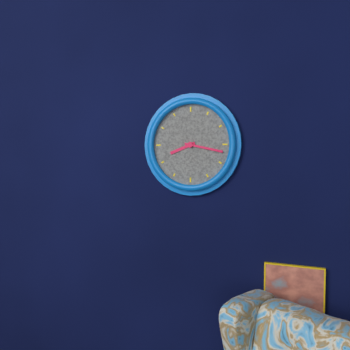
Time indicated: 8:17
